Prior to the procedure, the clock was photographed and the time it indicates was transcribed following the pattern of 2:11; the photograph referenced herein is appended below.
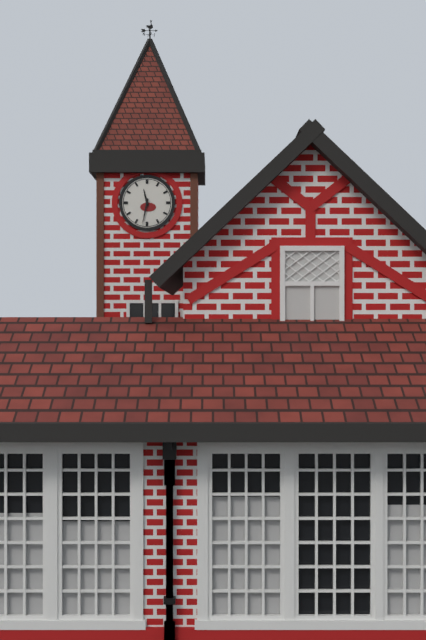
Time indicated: 11:32
